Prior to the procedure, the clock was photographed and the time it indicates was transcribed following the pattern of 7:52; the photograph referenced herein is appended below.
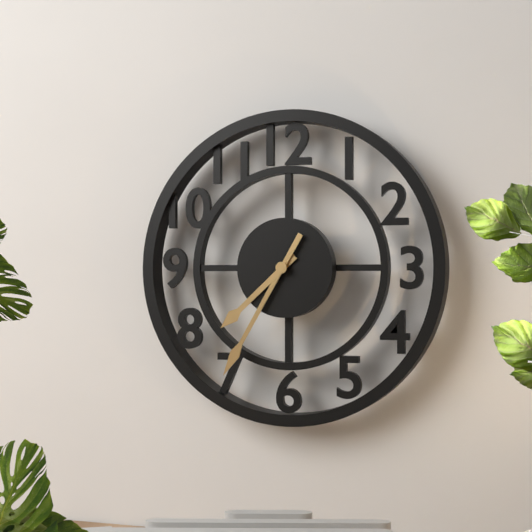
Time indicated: 7:35
